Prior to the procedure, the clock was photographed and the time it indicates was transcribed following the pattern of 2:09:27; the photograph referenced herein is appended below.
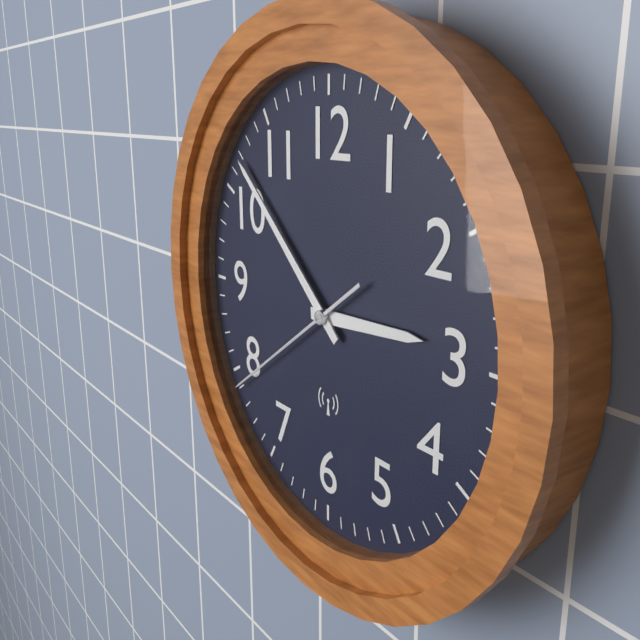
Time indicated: 2:52:39
